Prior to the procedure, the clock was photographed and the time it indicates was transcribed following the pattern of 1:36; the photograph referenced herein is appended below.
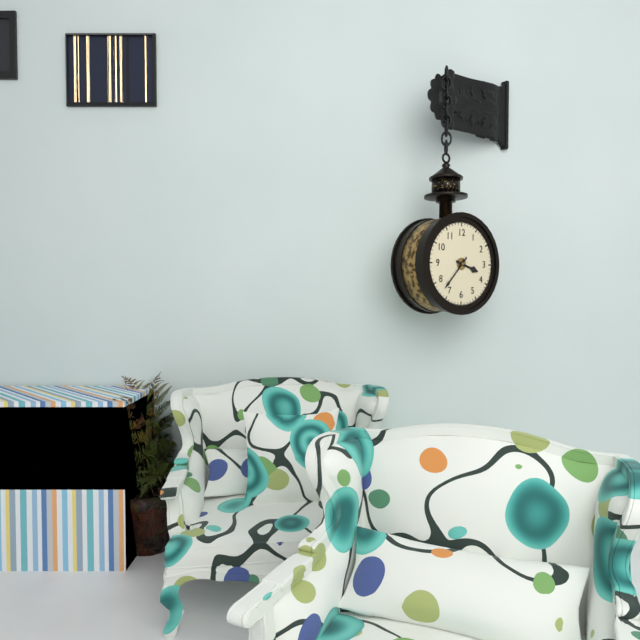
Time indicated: 3:37
